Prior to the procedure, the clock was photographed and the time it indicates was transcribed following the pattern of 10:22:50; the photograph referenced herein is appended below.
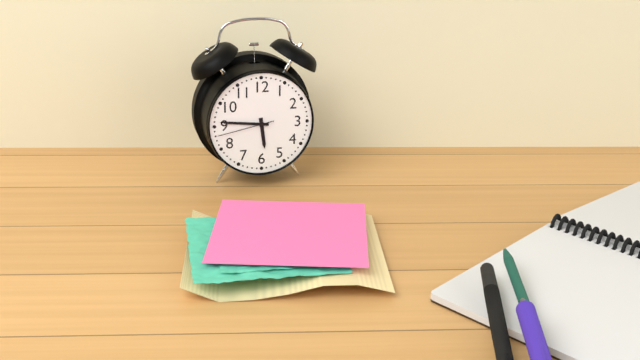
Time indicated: 5:46:43
